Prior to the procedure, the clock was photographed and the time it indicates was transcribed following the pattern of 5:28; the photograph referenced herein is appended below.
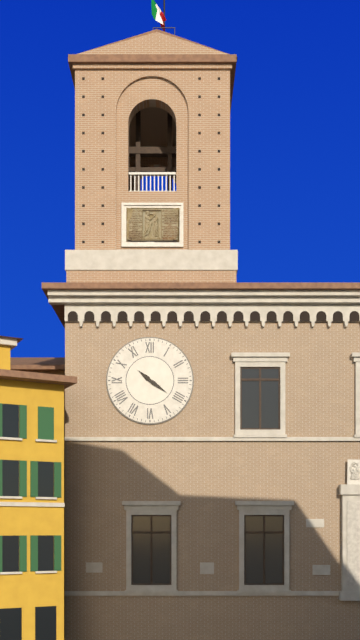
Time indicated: 10:21
